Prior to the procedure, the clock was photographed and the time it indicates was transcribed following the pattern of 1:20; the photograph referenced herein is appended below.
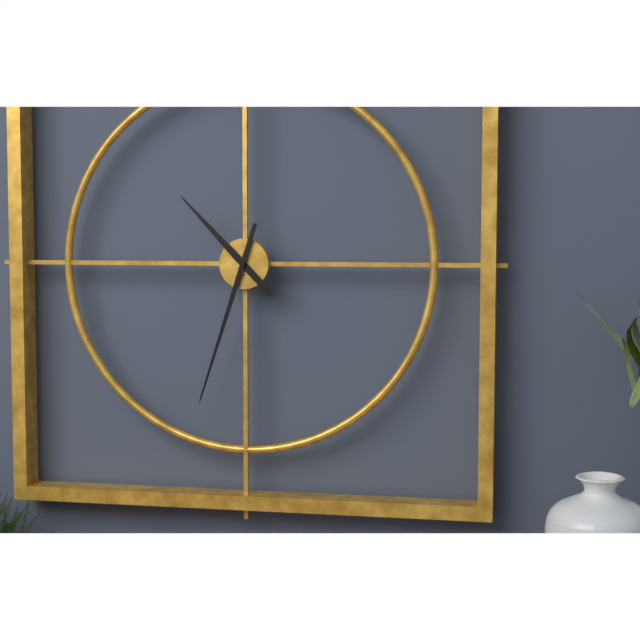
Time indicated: 10:33
